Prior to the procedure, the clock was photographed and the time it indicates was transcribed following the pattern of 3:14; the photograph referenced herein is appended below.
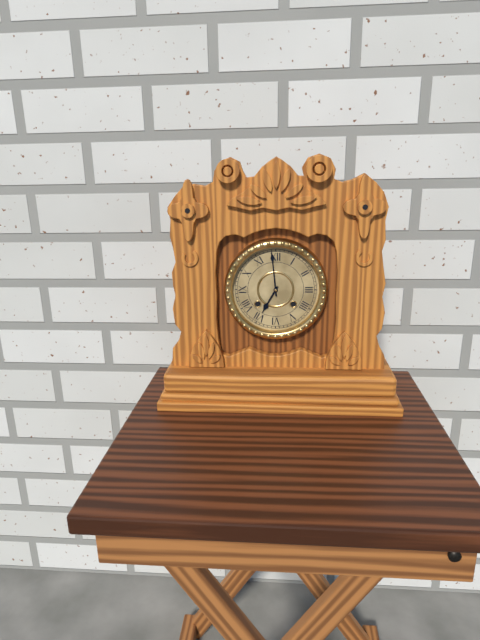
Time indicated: 6:59
